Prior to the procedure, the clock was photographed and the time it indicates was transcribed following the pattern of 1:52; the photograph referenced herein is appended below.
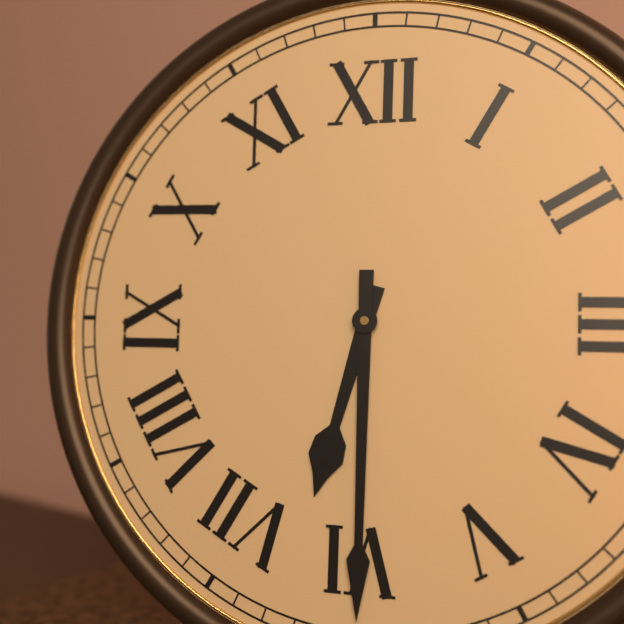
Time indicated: 6:30
